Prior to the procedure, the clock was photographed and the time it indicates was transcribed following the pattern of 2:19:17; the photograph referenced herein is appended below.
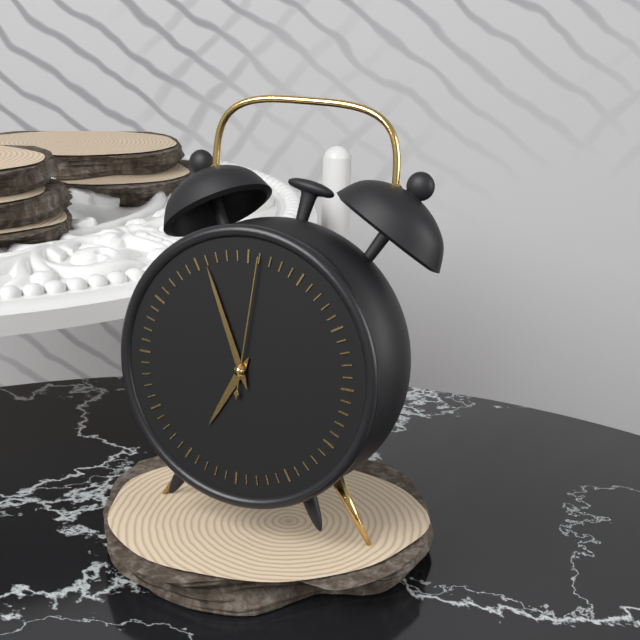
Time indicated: 6:56:01
